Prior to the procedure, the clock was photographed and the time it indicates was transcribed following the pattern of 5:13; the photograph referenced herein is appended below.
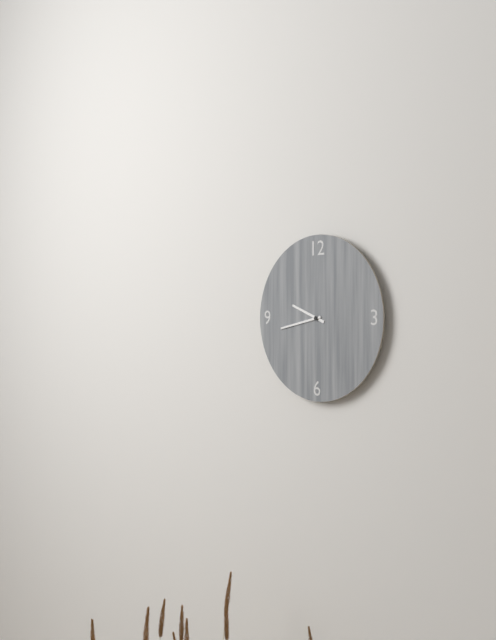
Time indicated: 9:43
